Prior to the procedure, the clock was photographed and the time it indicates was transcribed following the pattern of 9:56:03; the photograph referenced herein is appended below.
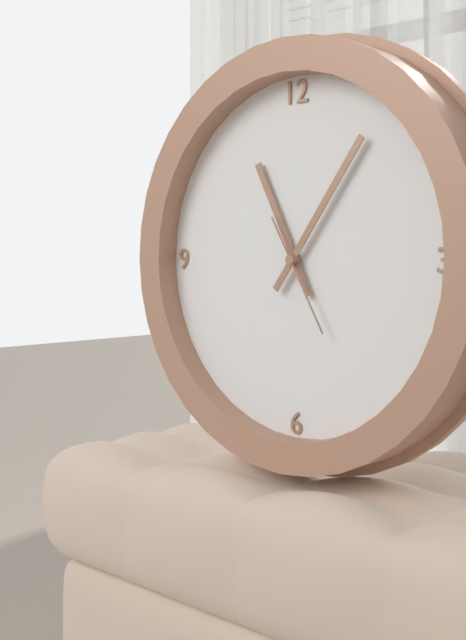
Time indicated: 11:06:25
